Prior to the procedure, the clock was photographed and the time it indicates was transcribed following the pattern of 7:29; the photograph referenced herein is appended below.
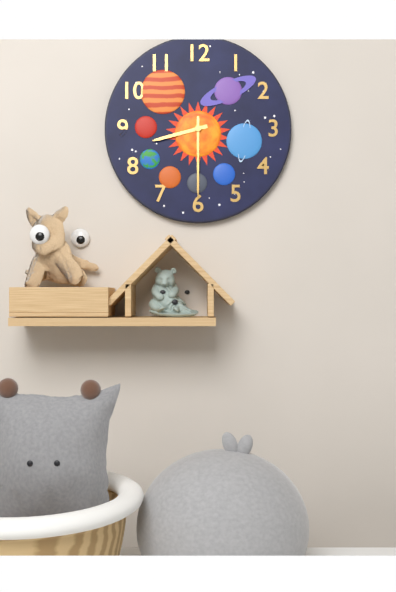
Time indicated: 8:30
